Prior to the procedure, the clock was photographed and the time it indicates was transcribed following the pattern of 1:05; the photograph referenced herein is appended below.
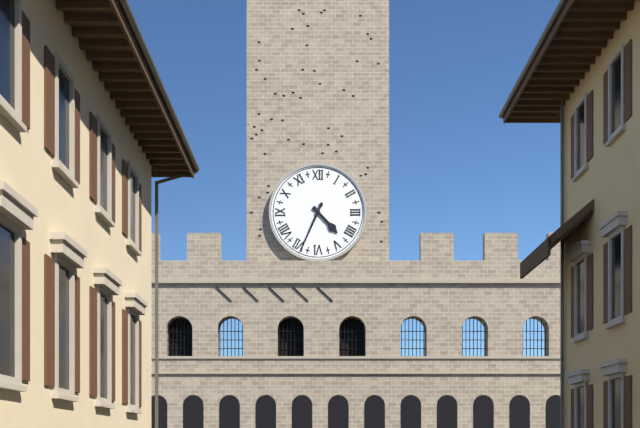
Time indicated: 4:34
